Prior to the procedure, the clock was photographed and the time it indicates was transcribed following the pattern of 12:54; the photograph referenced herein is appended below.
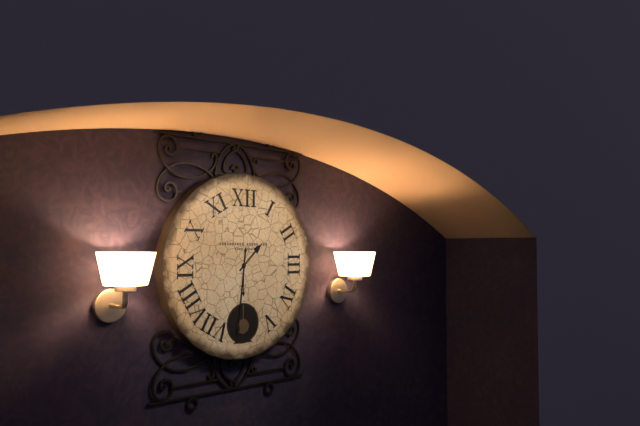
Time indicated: 1:31
